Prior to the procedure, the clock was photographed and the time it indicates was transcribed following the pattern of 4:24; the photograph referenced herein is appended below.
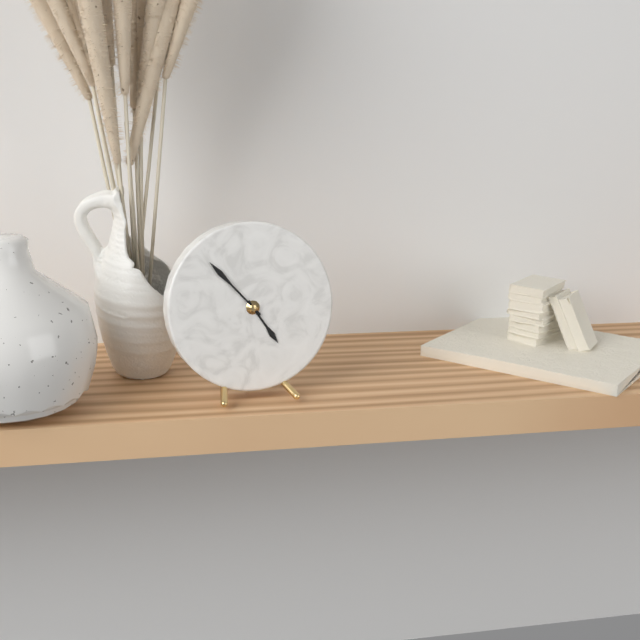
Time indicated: 4:53
